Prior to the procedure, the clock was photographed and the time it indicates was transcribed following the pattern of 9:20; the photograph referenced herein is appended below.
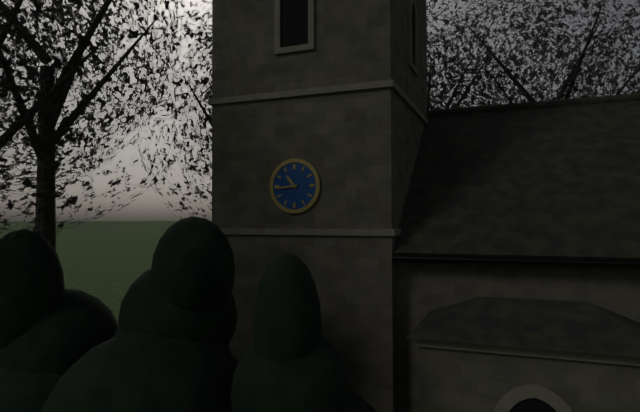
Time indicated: 10:44
